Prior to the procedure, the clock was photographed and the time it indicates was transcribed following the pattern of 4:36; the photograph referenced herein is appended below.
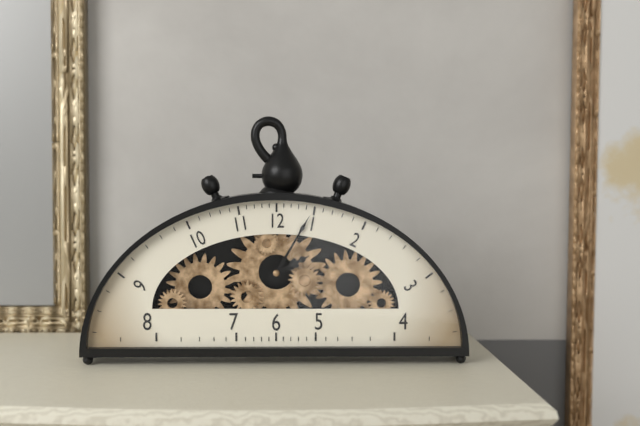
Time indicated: 2:05
